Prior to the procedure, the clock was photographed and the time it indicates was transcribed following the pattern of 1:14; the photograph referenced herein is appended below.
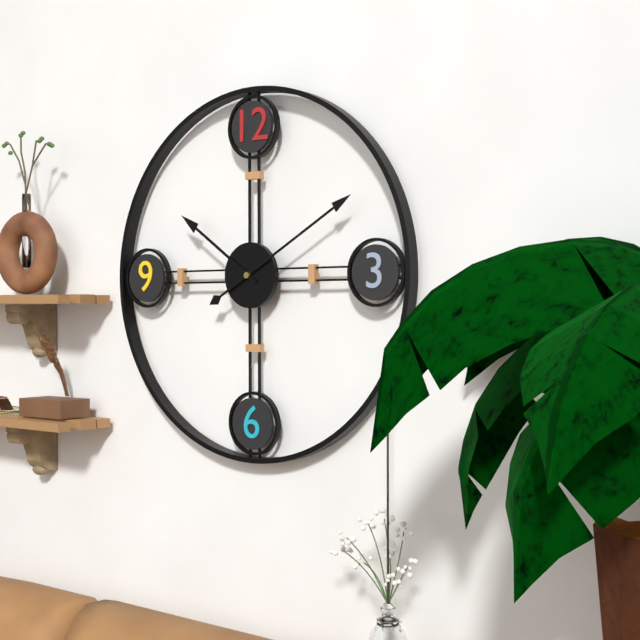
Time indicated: 10:10
